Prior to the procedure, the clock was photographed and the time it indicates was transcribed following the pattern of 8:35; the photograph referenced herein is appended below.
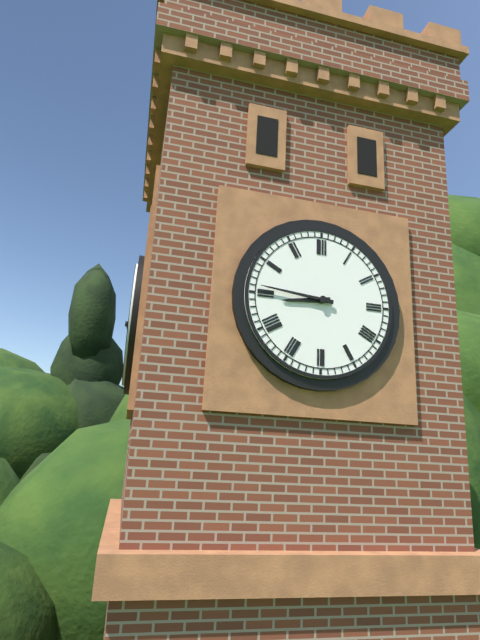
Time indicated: 8:46
